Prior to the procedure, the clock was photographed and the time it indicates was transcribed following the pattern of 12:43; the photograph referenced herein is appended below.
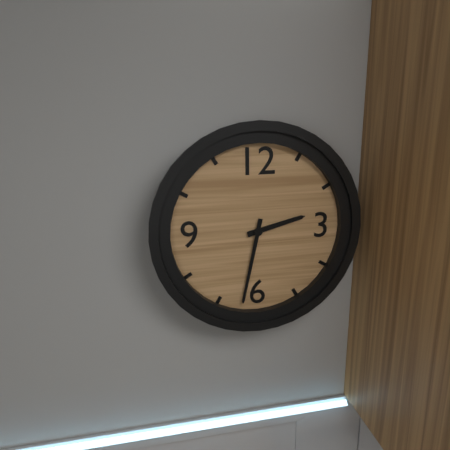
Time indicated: 2:32
